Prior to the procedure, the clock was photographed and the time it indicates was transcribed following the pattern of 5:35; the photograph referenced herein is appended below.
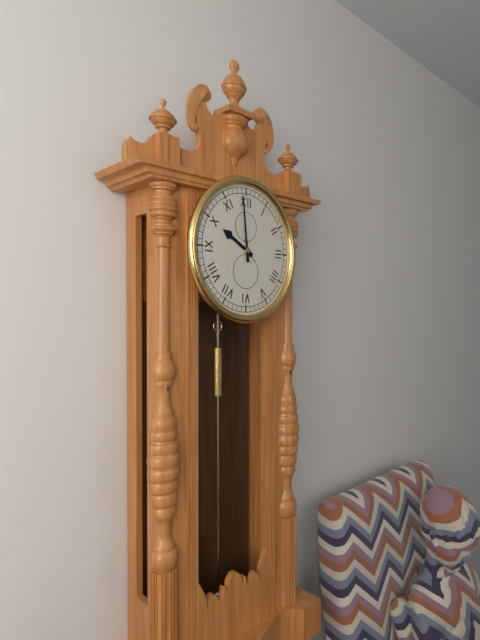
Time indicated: 9:59
